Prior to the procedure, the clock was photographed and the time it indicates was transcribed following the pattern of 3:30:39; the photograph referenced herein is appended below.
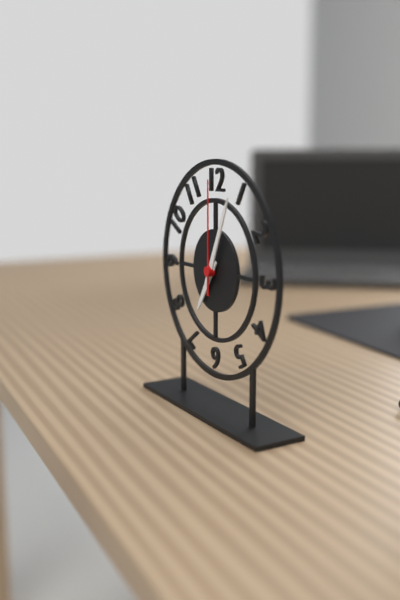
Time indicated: 7:04:00
